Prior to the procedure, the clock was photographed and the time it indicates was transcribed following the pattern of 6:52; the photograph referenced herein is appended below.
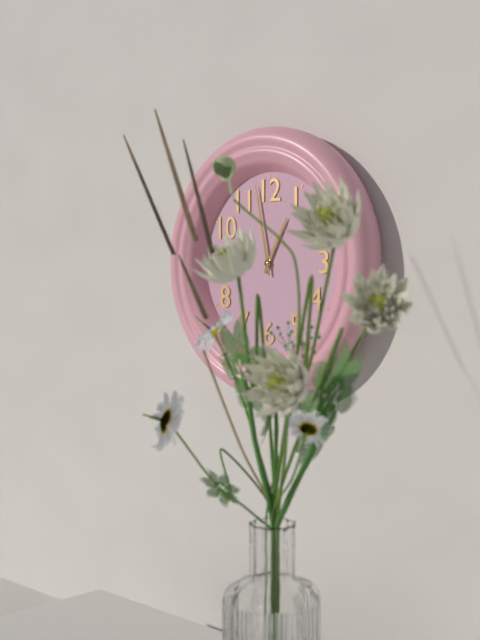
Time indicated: 12:58
